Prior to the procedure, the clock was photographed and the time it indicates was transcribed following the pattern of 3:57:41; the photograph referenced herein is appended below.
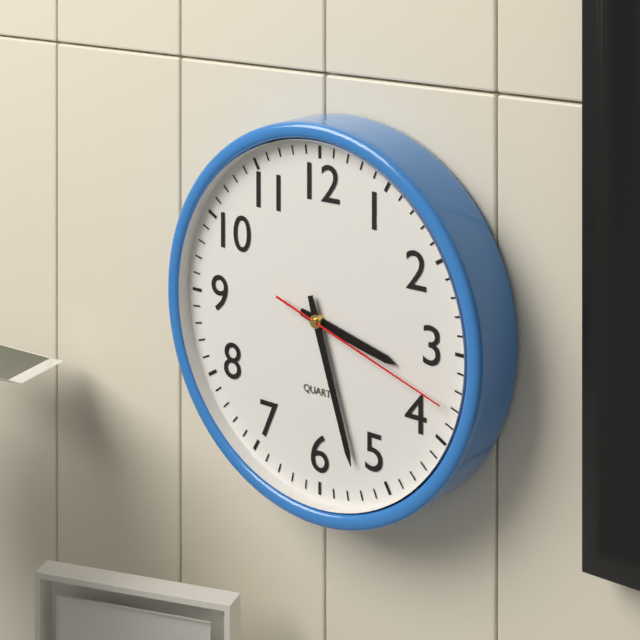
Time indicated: 3:27:18
